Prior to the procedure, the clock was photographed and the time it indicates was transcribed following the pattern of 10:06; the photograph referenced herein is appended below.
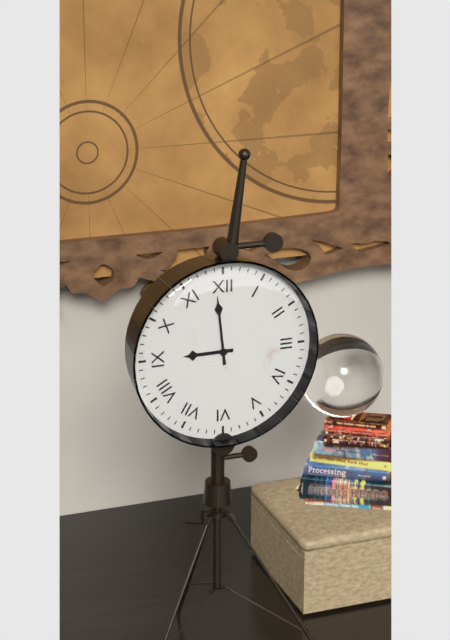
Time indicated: 8:59
